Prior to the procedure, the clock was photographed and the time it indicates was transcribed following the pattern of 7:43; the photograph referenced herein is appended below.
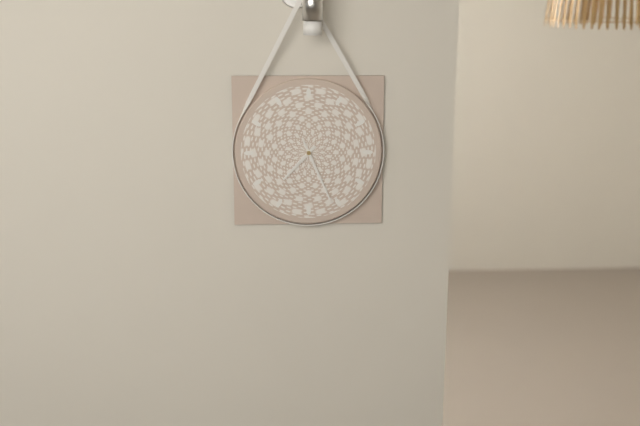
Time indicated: 7:26
